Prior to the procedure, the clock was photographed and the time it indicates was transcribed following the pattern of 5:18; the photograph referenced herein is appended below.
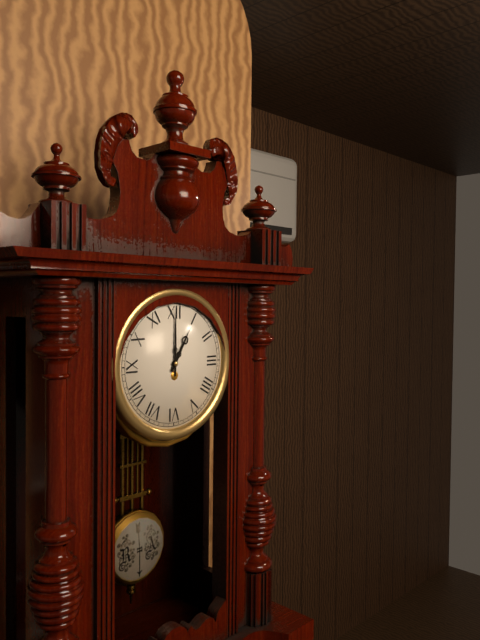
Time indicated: 1:00
